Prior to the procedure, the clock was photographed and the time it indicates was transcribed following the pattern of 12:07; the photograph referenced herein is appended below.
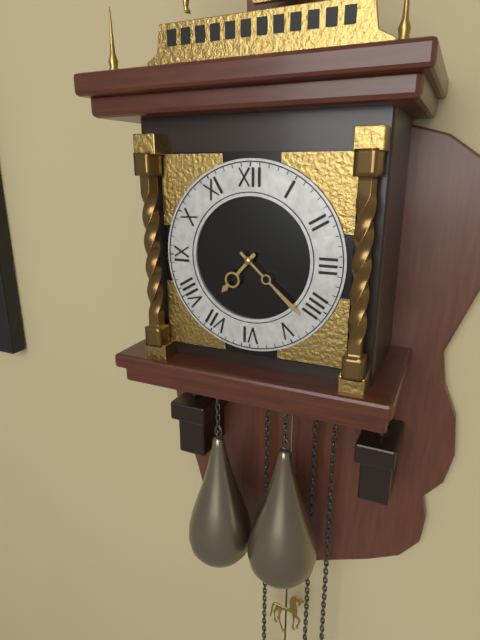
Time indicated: 7:22
